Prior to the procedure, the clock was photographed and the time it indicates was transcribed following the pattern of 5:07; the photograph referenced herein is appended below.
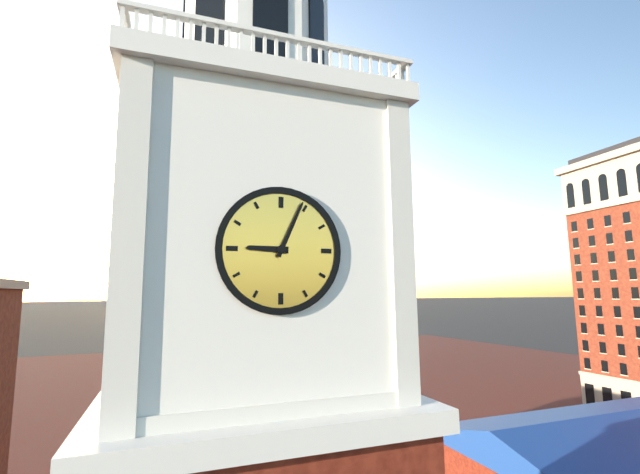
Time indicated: 9:04
